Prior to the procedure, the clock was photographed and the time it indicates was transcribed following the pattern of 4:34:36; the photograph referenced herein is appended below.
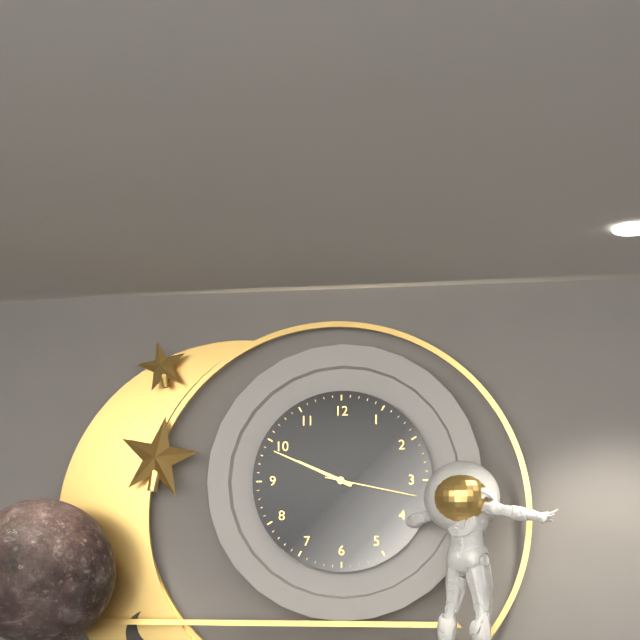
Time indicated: 9:49:17
